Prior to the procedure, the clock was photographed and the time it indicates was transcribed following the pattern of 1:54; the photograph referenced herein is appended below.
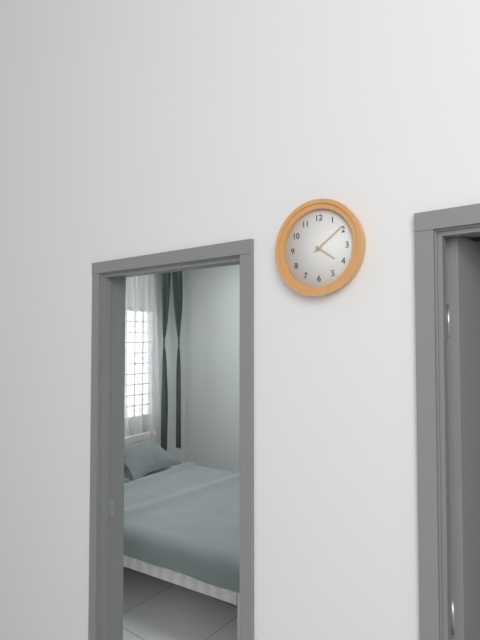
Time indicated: 4:09
